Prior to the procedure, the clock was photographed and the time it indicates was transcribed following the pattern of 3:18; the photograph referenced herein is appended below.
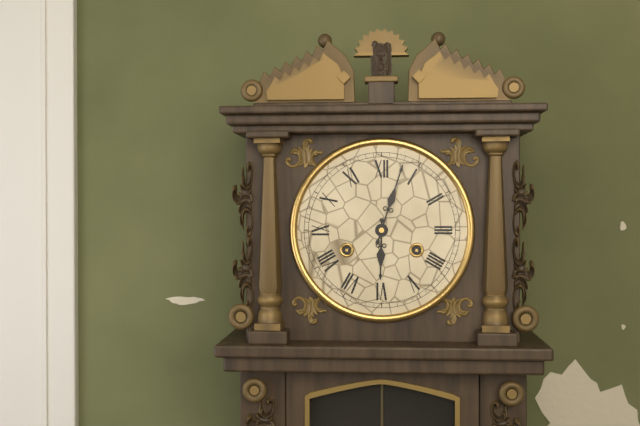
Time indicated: 6:03
